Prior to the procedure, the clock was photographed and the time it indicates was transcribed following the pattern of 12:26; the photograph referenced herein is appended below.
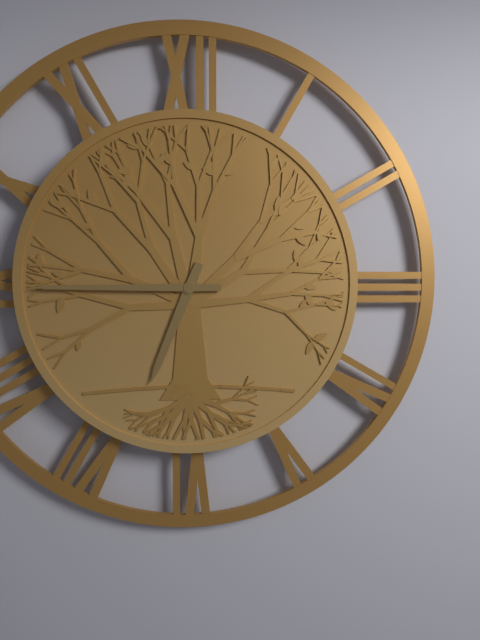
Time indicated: 6:45
